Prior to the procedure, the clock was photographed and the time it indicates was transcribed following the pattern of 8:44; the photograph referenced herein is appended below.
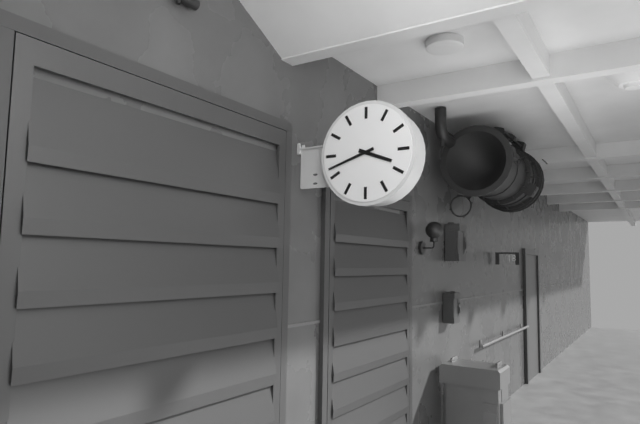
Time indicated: 3:42
